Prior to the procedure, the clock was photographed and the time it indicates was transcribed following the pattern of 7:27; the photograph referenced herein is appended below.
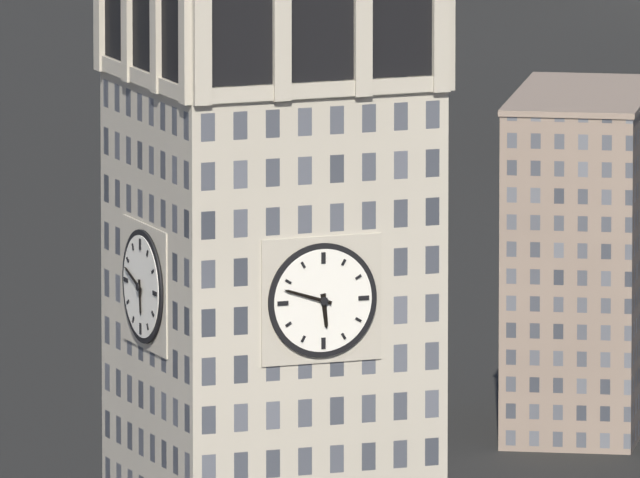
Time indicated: 5:48
